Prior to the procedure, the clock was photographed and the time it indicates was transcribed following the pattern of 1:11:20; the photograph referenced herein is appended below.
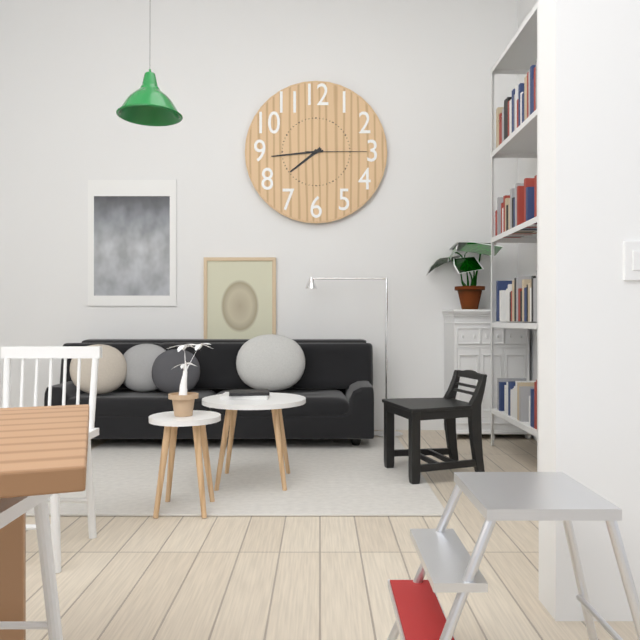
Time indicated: 7:44:15
